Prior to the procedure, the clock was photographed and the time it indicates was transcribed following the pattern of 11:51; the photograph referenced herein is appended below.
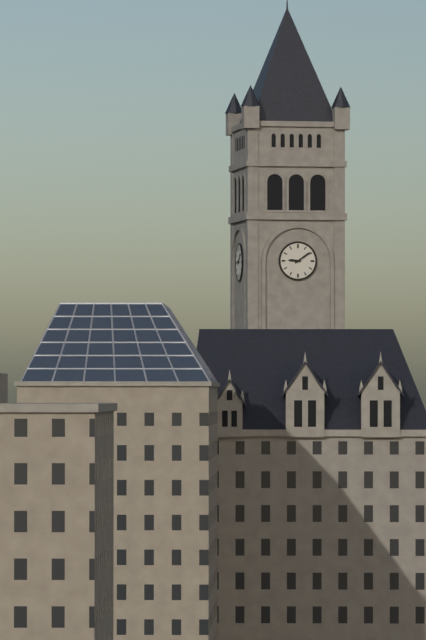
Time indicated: 9:09
